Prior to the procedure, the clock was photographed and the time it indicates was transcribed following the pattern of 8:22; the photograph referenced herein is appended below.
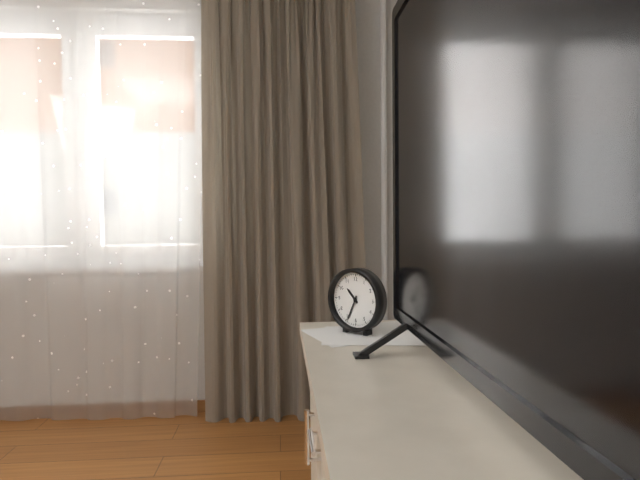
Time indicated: 10:34
